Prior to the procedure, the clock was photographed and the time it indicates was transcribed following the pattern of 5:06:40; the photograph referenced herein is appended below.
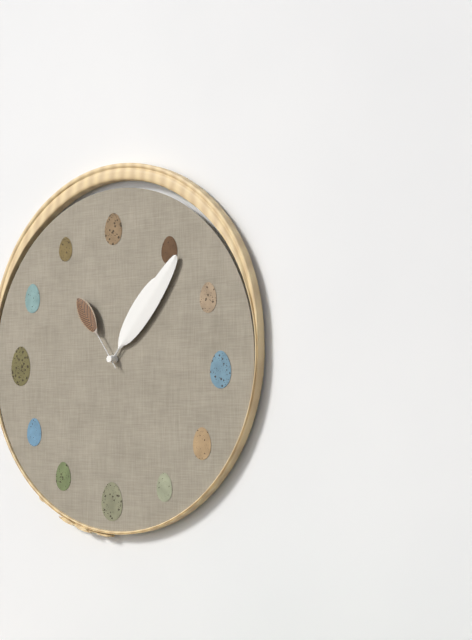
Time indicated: 1:07:54
